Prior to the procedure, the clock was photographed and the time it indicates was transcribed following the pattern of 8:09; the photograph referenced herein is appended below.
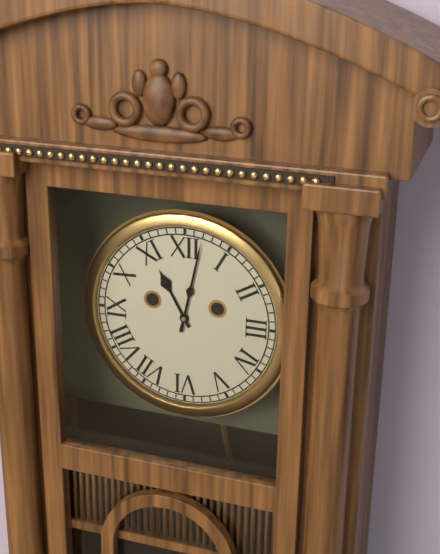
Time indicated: 11:02
